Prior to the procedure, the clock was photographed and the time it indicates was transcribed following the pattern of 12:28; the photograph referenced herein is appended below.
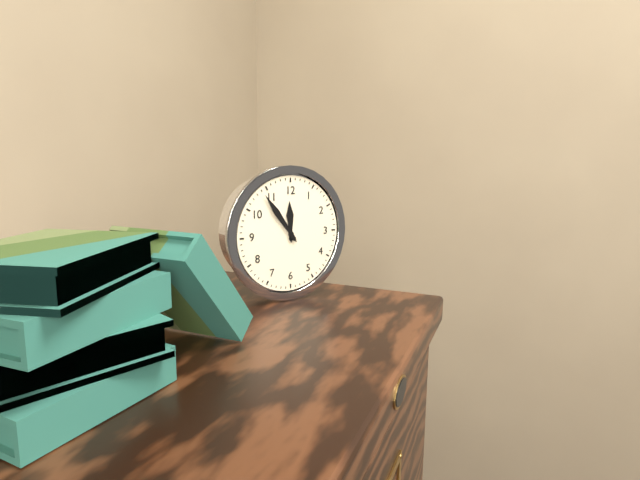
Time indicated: 11:54
